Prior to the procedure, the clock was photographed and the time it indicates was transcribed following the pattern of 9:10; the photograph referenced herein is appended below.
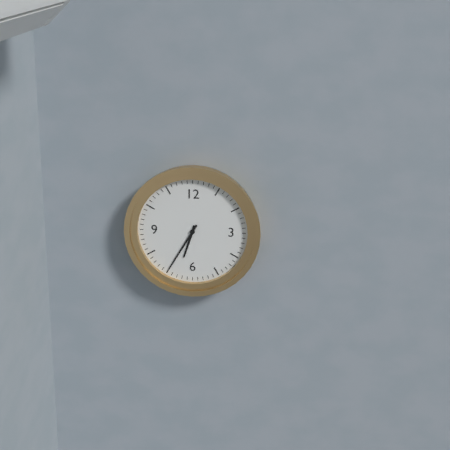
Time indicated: 6:35
